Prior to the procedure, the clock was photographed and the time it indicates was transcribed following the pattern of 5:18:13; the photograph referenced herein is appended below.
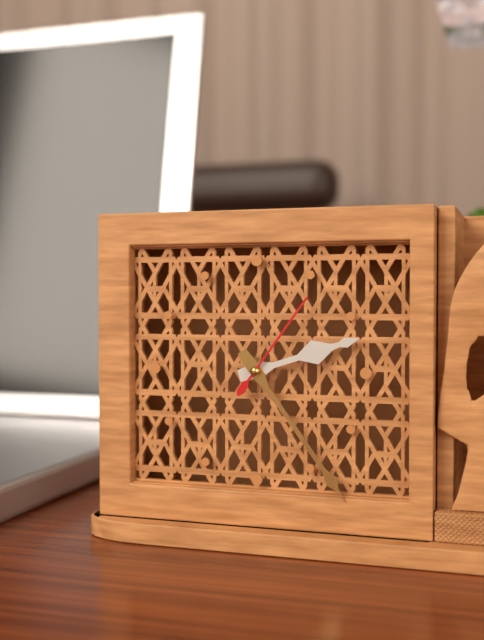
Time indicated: 2:24:06
